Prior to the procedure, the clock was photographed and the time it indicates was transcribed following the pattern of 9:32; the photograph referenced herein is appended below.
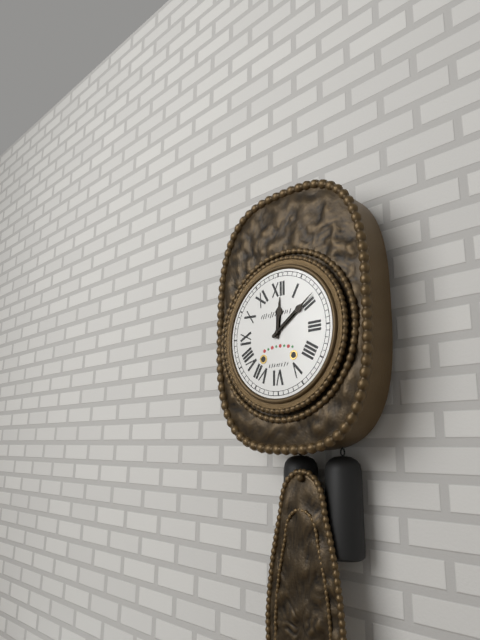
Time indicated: 12:09
